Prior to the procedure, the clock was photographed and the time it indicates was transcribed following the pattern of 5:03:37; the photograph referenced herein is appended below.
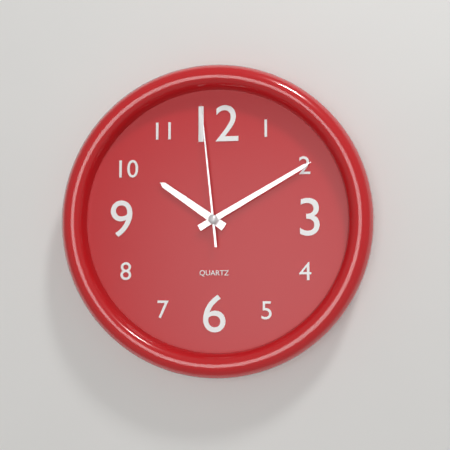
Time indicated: 10:10:59
